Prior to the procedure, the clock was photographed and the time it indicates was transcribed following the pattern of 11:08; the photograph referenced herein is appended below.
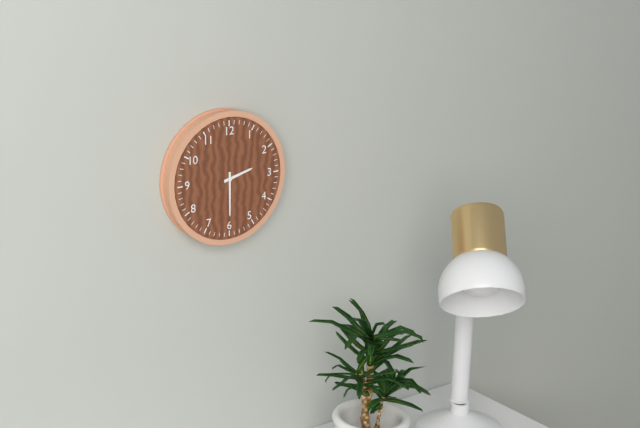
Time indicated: 2:30
